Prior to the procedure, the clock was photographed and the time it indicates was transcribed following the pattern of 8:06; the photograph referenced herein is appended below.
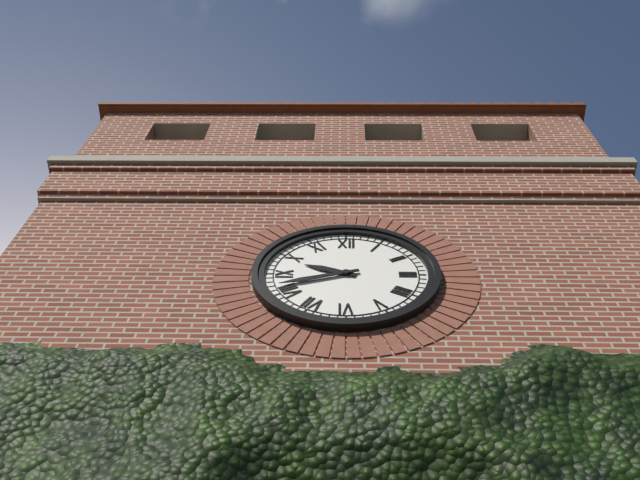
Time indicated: 9:42
